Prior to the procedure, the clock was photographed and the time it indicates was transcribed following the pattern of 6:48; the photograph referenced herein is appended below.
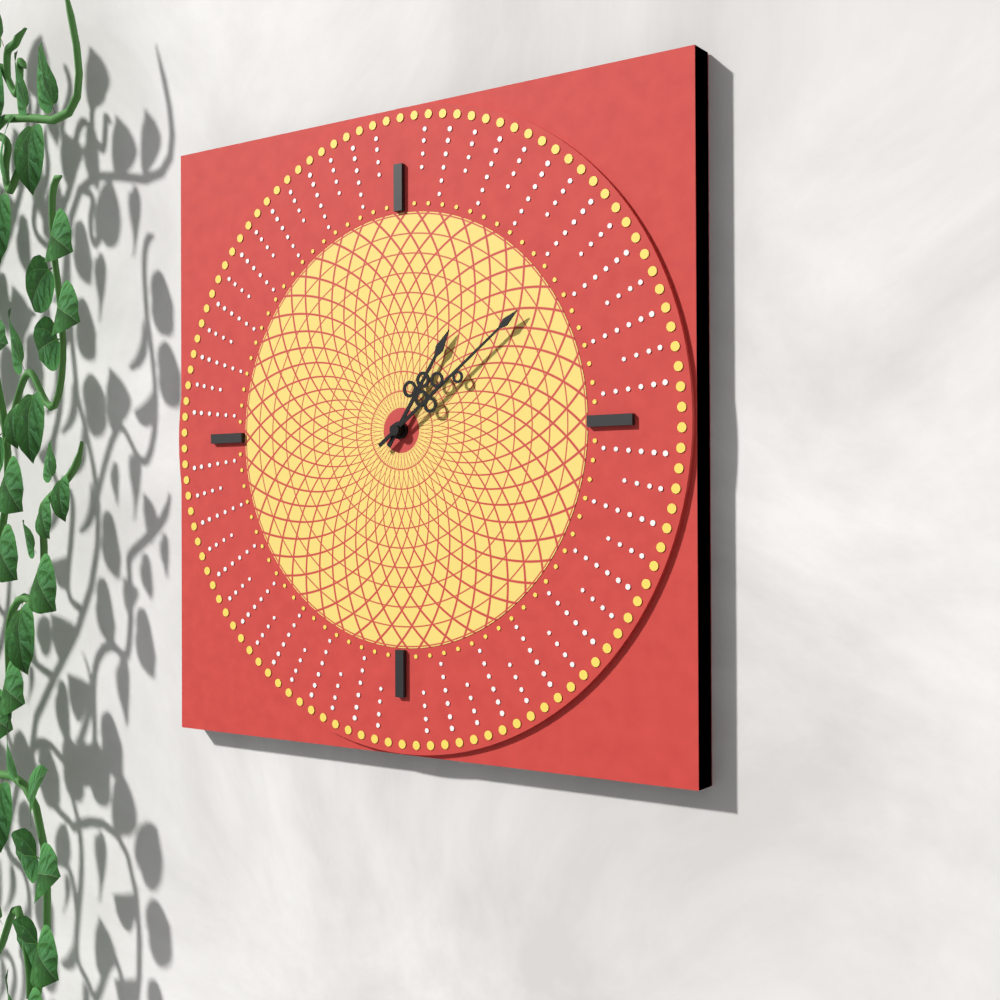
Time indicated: 1:09
